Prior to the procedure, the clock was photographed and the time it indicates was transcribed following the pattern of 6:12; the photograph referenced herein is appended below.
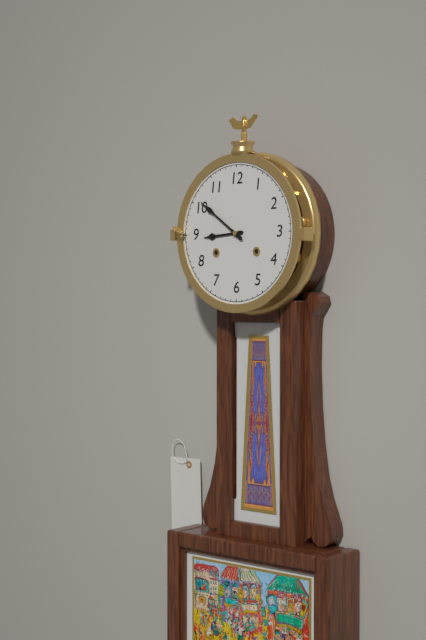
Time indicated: 8:51
